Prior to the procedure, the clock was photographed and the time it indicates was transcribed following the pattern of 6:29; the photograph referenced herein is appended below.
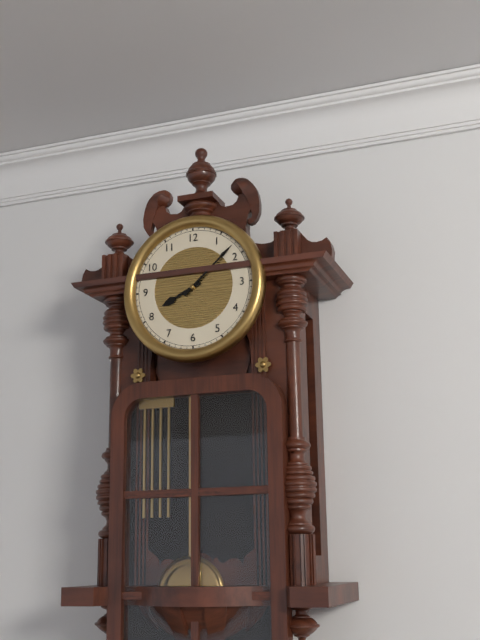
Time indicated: 8:08
